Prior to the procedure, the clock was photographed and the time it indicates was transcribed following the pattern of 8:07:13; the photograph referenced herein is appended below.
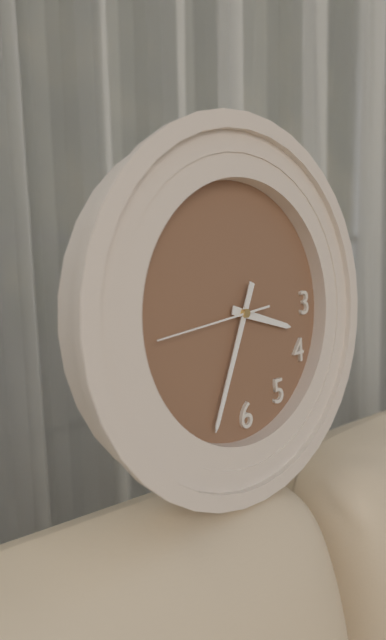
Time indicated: 3:34:44
